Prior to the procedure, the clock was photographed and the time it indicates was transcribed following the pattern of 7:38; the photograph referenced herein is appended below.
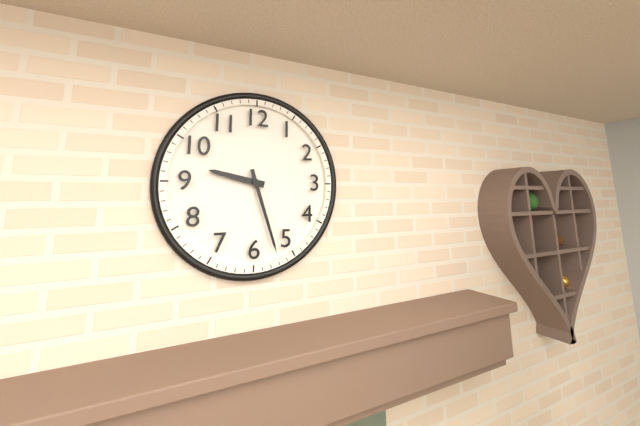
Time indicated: 9:27
